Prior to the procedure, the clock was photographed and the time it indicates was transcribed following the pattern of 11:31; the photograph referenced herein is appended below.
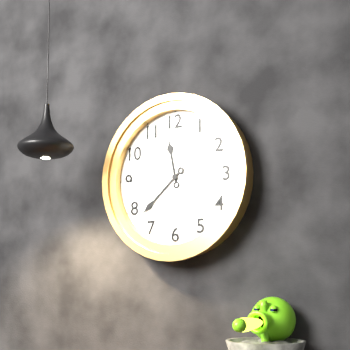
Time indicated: 11:38
